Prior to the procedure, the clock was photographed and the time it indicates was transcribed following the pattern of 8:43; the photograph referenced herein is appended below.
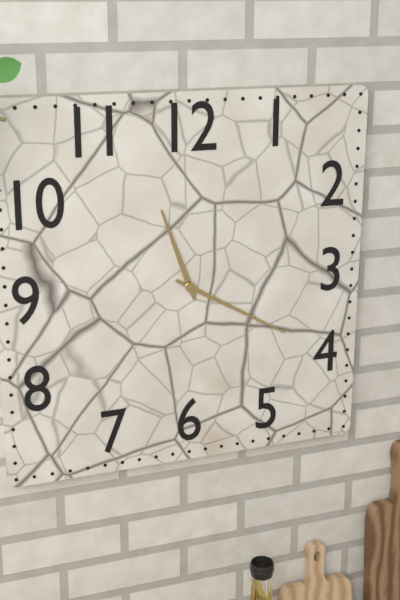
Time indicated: 11:20
